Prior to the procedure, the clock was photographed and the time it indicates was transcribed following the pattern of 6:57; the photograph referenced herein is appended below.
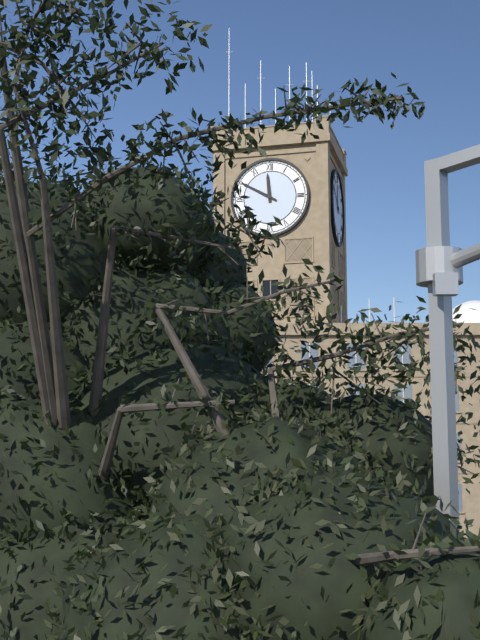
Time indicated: 11:50
